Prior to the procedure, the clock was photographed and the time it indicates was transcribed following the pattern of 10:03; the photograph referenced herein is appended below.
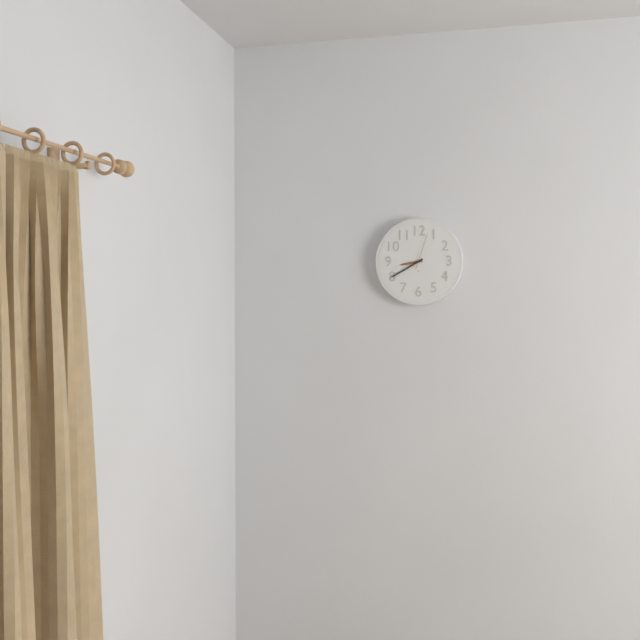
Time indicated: 8:40
